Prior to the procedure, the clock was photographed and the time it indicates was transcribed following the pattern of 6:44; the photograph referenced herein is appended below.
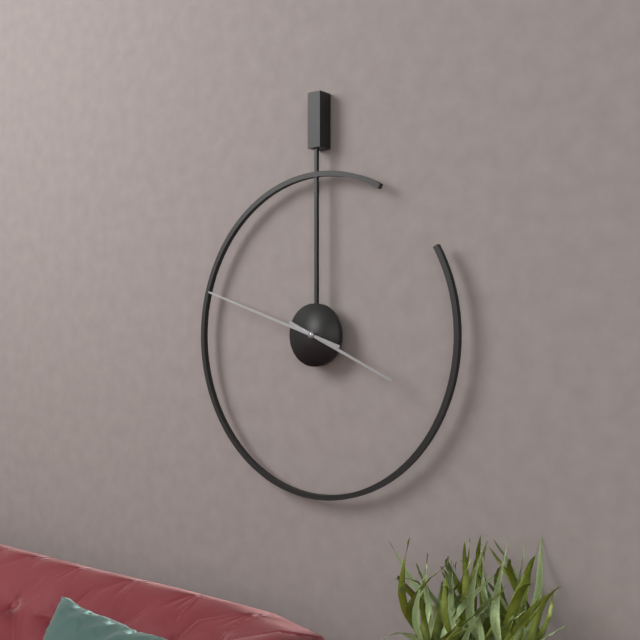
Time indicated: 3:48
